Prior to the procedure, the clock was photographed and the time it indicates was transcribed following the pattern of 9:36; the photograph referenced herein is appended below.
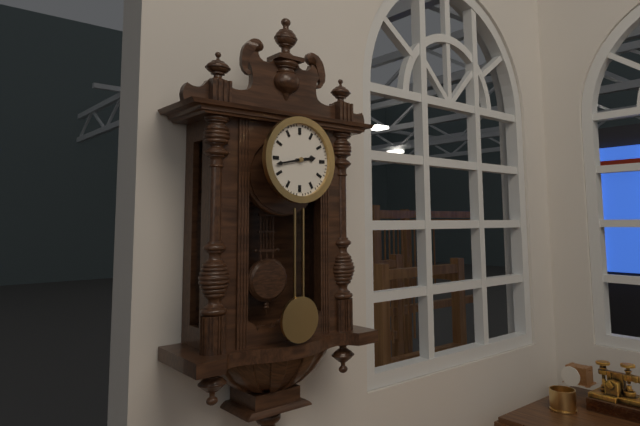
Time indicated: 2:43
